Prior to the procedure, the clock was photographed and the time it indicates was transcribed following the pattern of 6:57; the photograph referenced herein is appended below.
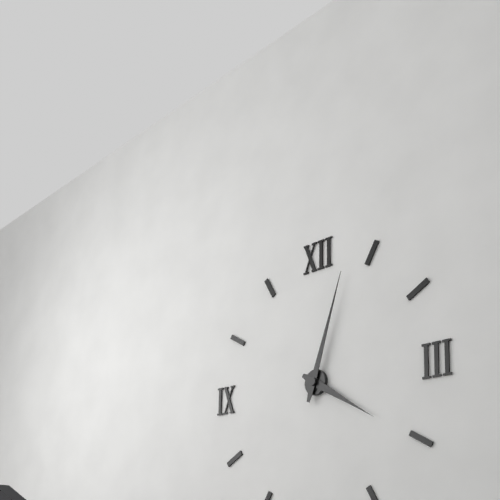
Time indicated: 4:03
